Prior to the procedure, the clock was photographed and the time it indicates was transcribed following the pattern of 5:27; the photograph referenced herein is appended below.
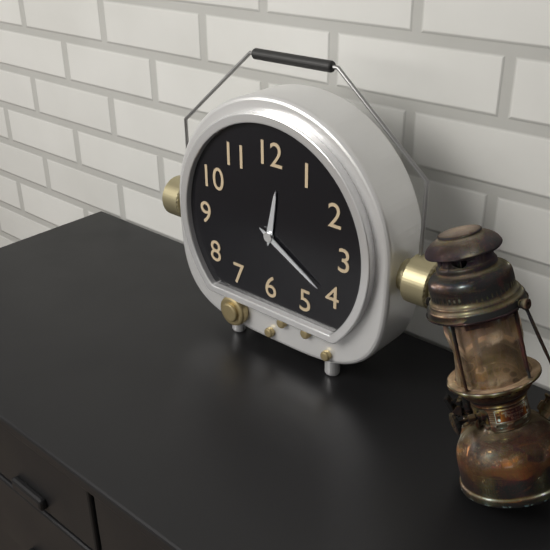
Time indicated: 12:20
